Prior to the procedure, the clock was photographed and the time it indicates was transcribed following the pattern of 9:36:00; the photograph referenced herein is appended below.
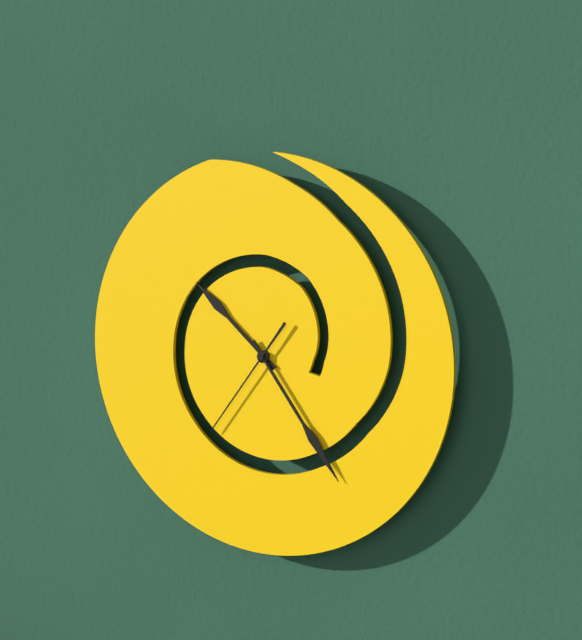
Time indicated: 10:24:36
